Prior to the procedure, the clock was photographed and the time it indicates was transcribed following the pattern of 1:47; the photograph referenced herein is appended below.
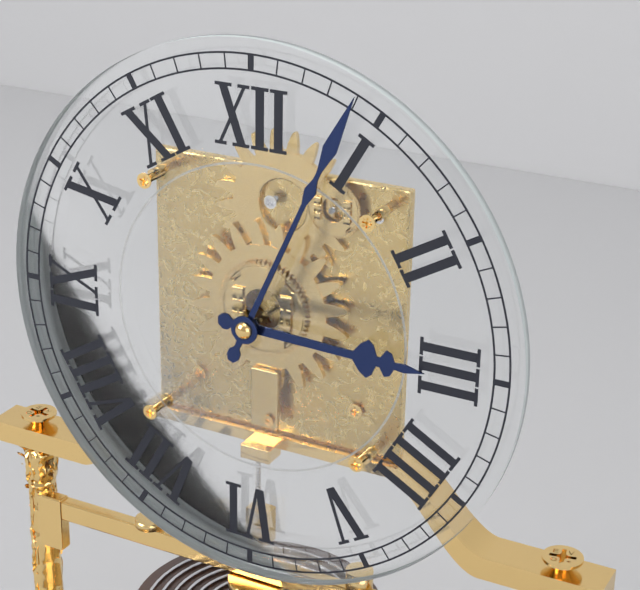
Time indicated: 3:04
